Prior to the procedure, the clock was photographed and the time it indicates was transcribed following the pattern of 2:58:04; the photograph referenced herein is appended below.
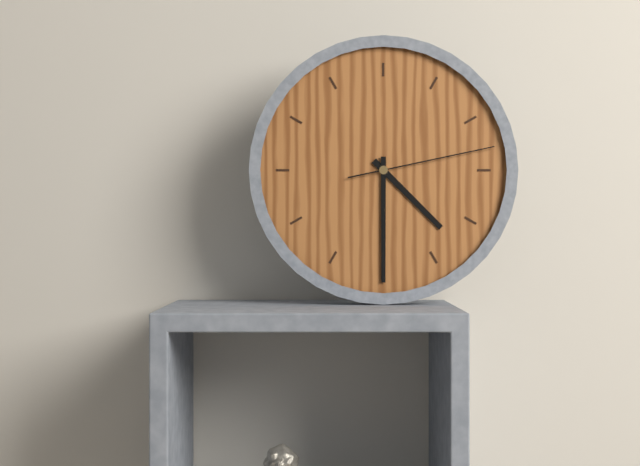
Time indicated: 4:30:13
